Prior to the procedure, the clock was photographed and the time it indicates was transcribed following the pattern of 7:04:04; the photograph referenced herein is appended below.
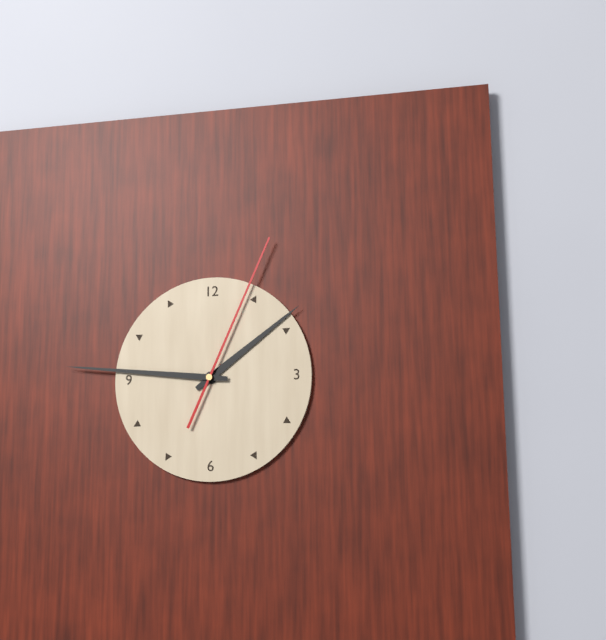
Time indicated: 1:46:04
